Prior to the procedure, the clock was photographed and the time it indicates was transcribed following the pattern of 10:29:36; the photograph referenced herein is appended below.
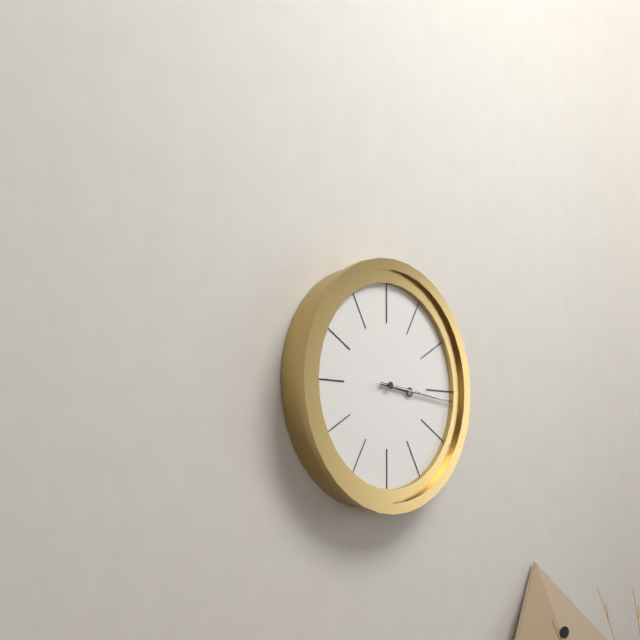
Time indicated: 3:16:16
